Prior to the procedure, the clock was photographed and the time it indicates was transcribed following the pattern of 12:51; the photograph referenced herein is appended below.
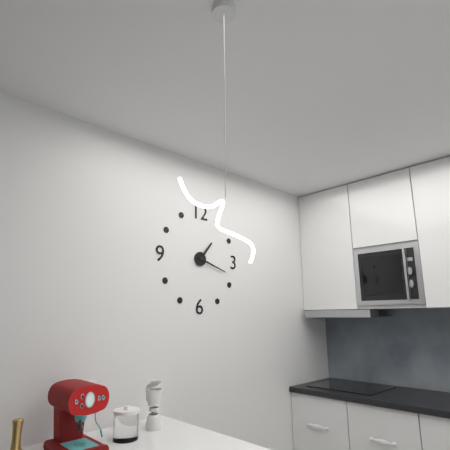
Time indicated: 1:18
